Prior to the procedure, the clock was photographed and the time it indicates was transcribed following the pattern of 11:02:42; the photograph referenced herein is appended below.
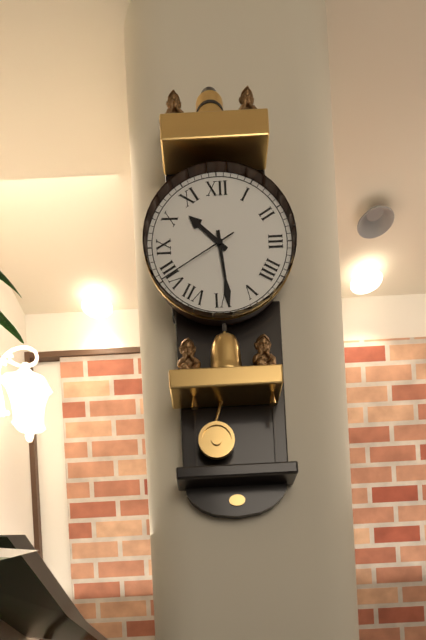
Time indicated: 10:29:40
